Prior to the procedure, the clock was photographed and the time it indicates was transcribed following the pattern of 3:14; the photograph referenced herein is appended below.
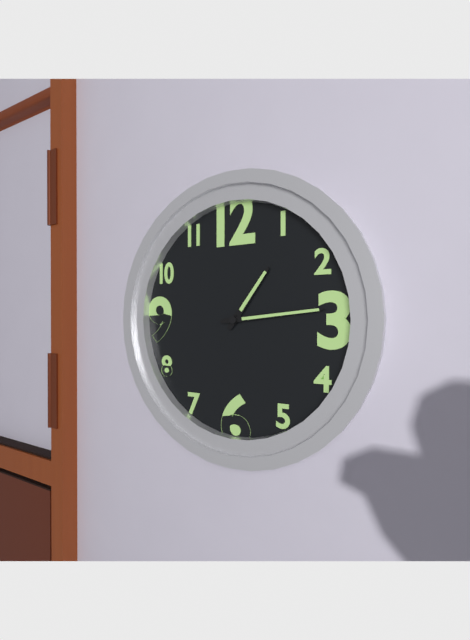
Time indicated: 1:14
